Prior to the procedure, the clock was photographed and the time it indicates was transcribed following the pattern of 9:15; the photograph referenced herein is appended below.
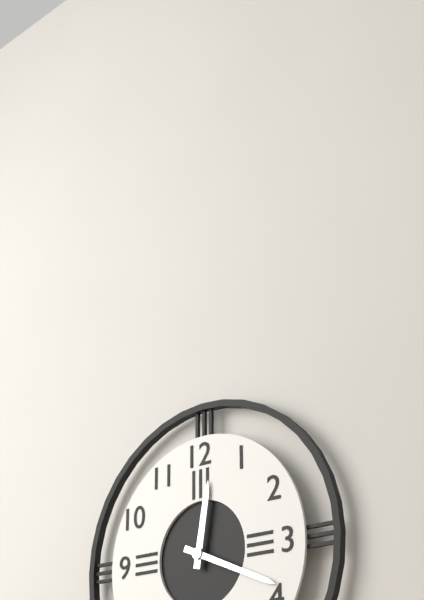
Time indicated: 12:19
